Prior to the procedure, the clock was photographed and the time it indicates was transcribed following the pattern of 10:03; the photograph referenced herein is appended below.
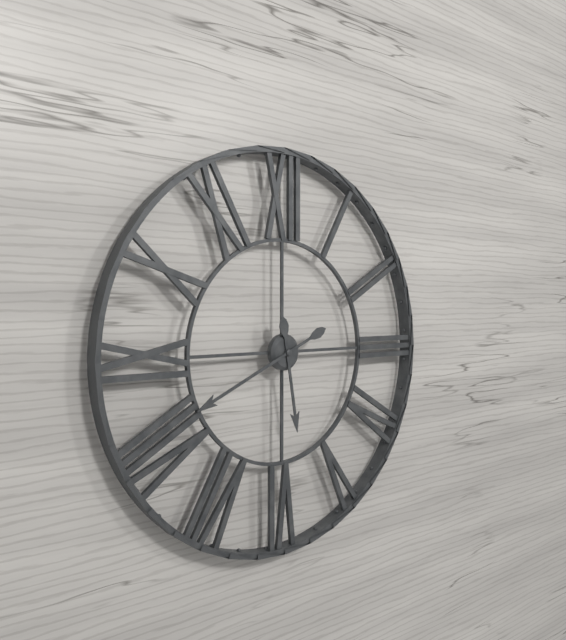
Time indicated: 5:41
